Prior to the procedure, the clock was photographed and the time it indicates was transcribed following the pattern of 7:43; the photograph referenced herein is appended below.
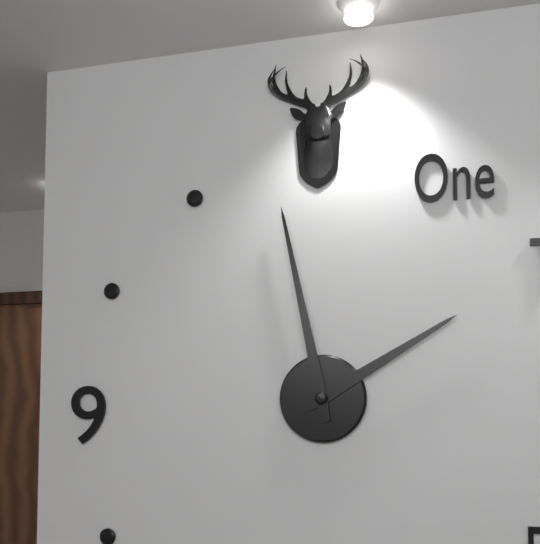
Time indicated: 1:58
